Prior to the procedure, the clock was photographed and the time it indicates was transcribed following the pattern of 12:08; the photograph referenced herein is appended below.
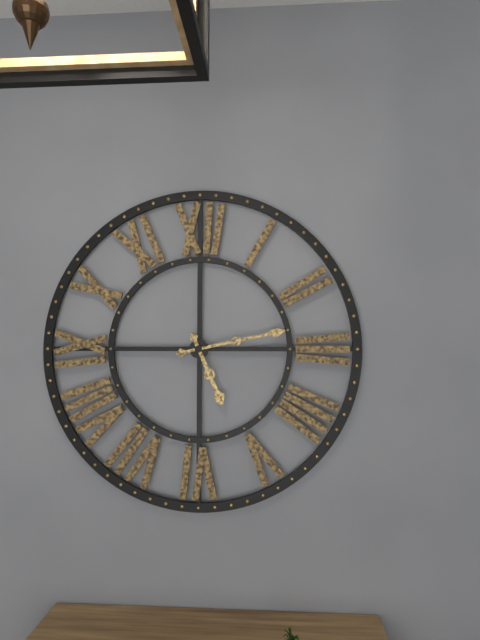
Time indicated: 5:13
